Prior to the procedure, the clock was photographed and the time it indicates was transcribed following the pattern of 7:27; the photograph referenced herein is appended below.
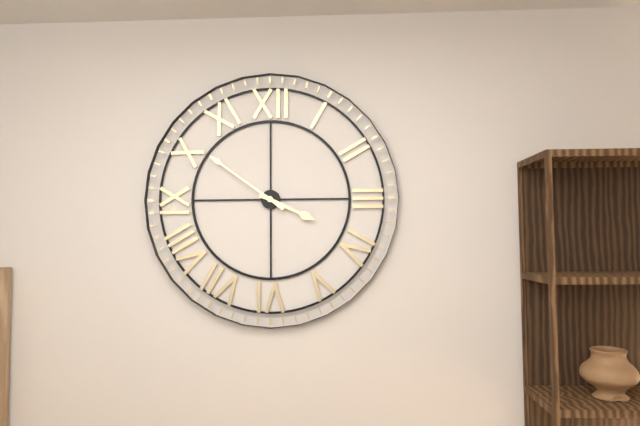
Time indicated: 3:51
